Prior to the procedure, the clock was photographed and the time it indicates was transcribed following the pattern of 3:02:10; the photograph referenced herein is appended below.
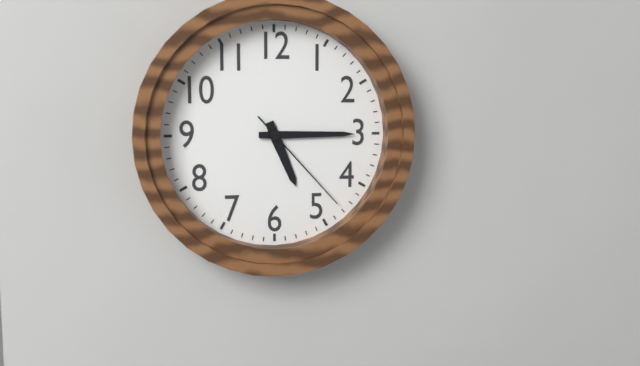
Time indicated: 5:15:23
